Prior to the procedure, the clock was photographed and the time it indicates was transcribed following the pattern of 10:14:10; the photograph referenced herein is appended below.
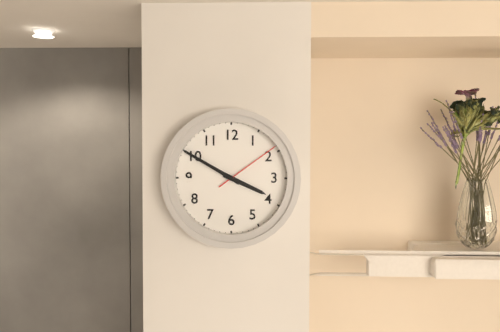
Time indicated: 3:50:09
